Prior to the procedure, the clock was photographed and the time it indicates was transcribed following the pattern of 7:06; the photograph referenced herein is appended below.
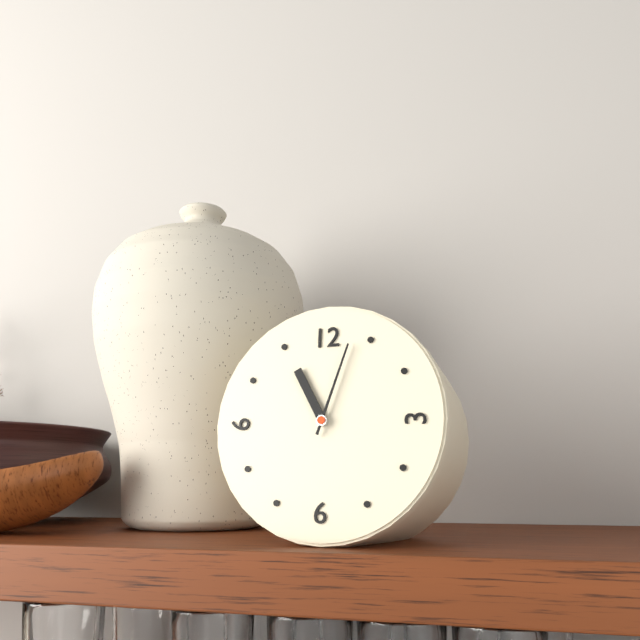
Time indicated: 11:03
